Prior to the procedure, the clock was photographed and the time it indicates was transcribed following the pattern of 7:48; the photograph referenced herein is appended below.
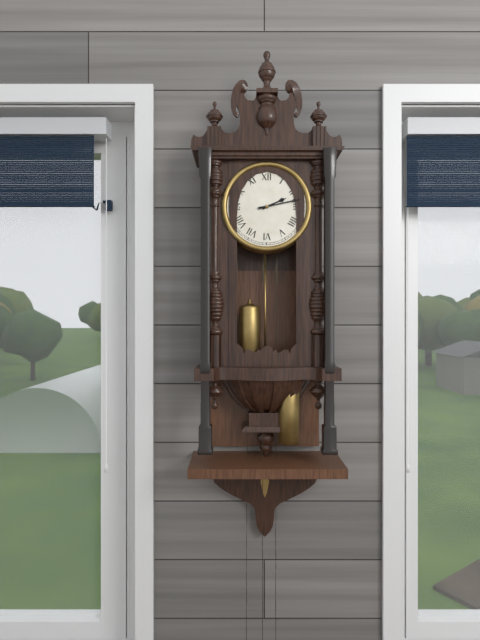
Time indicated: 2:13
